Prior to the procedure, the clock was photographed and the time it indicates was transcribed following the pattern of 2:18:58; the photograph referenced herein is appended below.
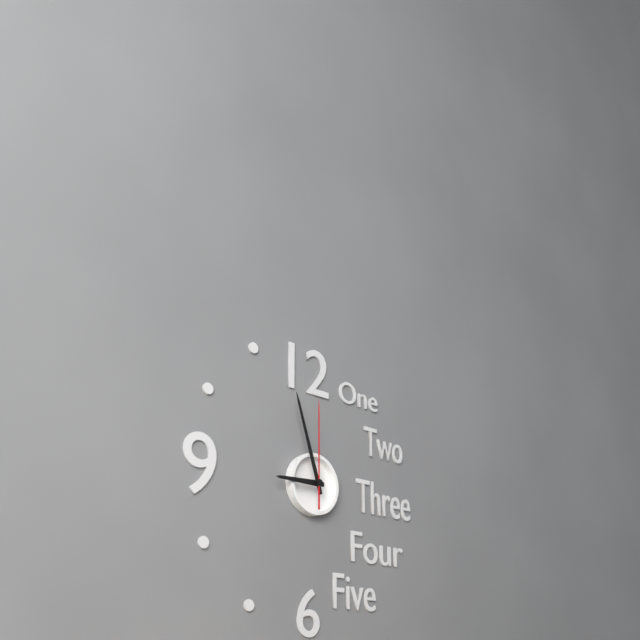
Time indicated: 8:57:00
